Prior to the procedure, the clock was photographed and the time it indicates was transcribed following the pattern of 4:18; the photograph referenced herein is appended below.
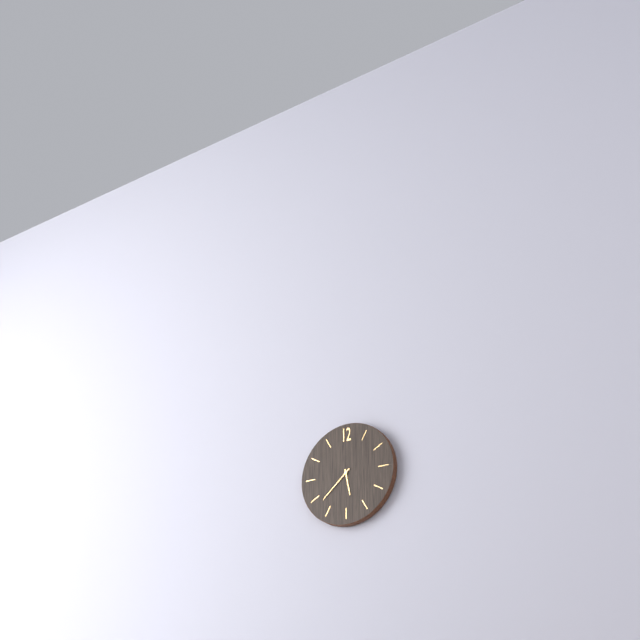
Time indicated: 5:38
